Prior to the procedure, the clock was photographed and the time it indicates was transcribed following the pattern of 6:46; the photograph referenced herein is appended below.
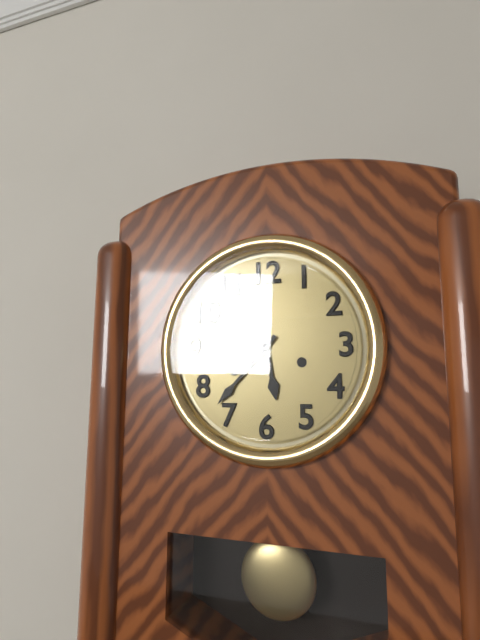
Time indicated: 5:37
